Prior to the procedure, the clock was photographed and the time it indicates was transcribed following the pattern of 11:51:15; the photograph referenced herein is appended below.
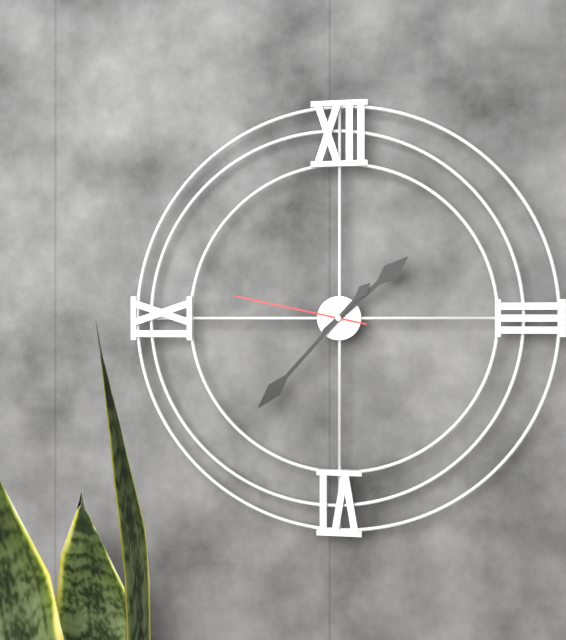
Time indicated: 1:37:47
